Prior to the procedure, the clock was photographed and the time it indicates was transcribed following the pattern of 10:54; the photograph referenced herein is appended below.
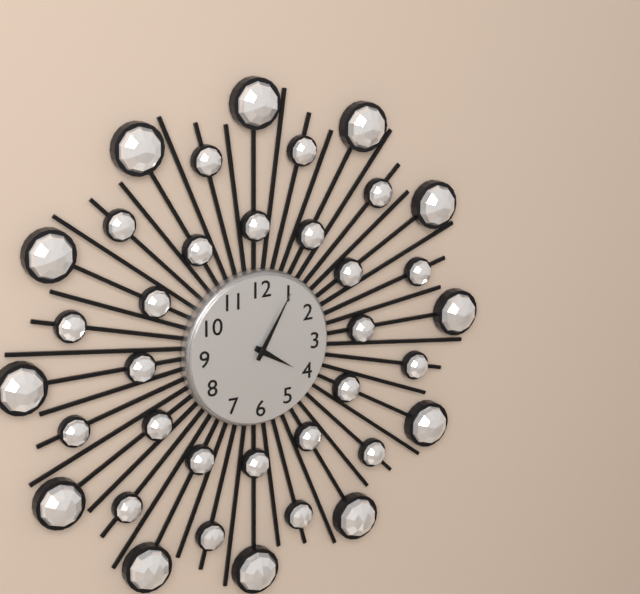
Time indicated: 4:05
